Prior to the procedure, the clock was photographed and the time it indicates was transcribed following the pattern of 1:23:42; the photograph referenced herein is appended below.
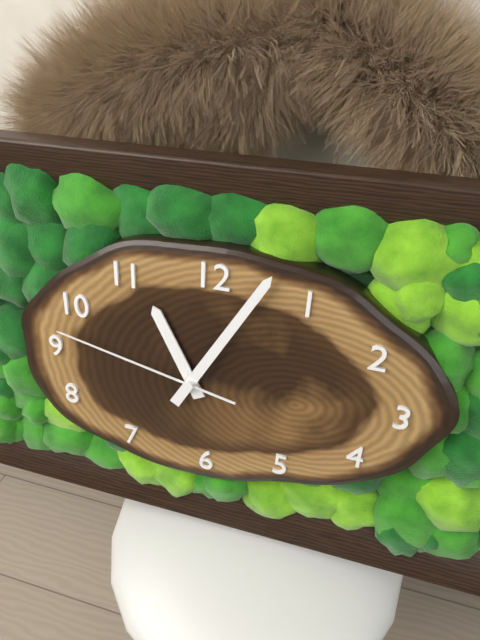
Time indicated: 11:05:47
